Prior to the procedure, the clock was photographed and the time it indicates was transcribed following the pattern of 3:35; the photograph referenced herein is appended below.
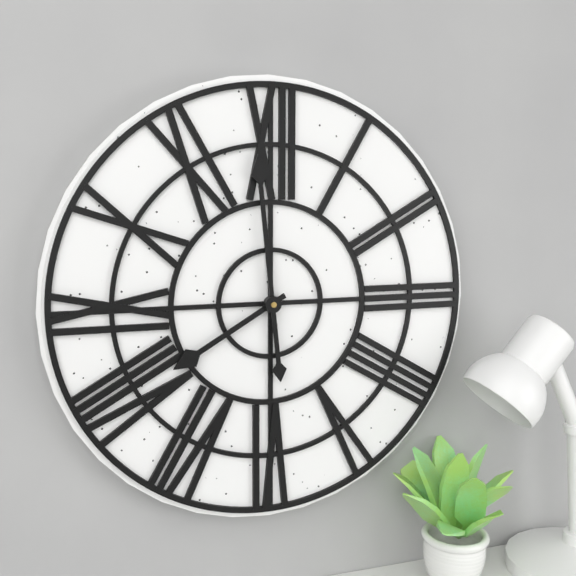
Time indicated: 7:59
